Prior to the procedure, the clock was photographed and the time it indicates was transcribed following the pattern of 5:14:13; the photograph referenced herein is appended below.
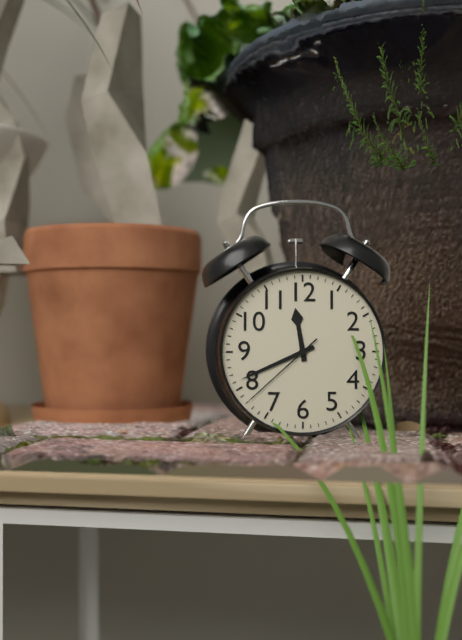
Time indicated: 11:41:38
